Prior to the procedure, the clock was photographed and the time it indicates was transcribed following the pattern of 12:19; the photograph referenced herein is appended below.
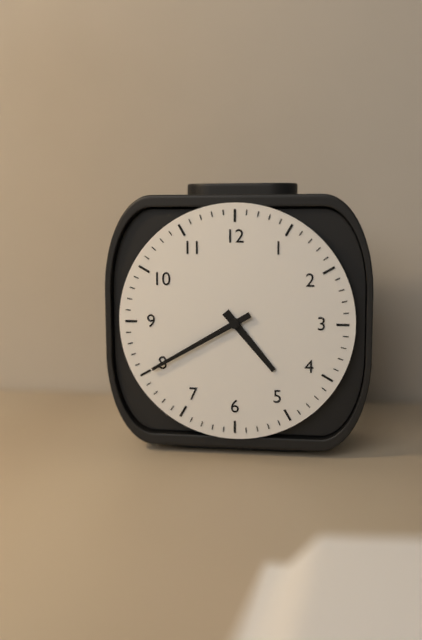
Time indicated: 4:40
